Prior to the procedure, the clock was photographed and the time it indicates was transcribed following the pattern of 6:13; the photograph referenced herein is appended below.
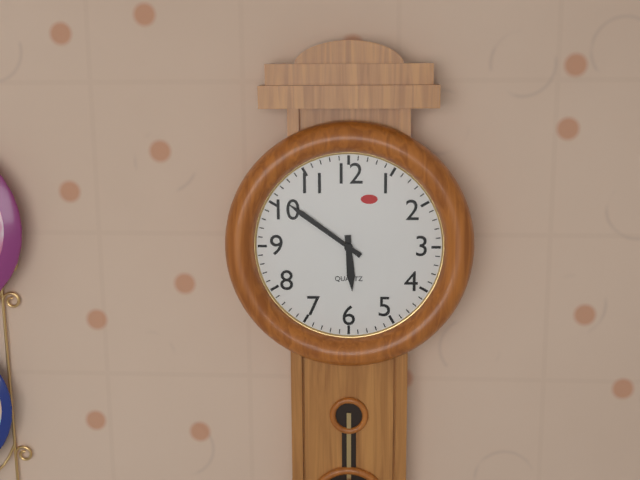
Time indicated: 5:51
